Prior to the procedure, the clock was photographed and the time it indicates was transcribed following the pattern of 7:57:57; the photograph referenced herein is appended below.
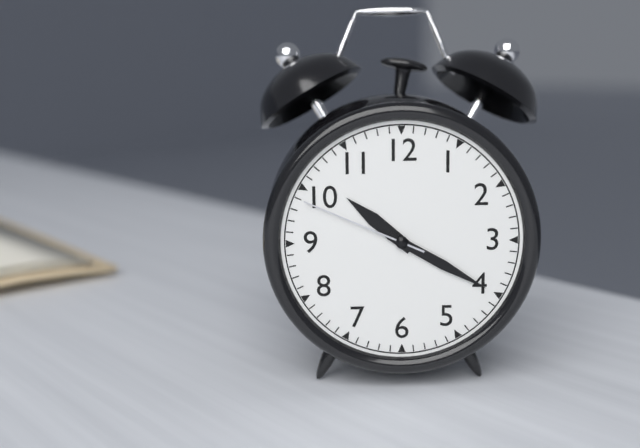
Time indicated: 10:20:49
